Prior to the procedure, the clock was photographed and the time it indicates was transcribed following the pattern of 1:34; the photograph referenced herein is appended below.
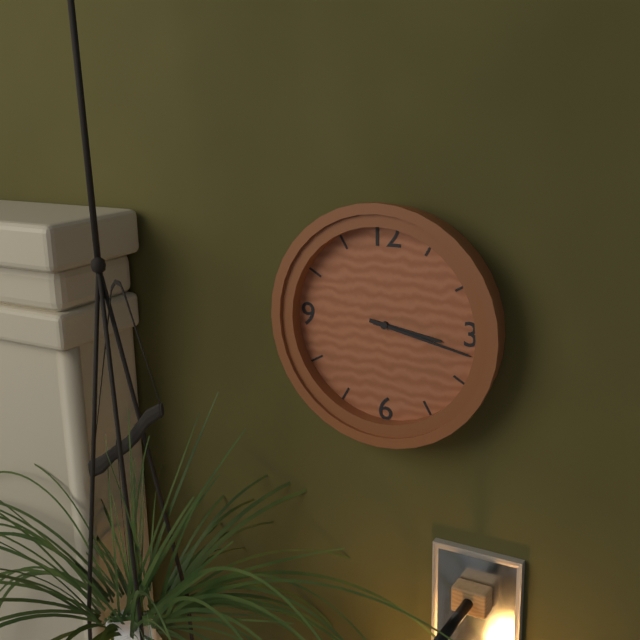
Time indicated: 3:17
